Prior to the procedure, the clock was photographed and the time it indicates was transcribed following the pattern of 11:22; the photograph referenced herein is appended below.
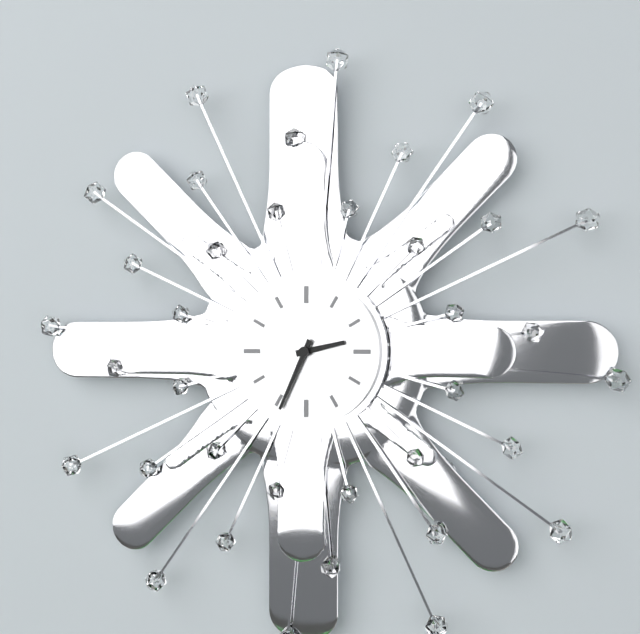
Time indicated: 2:34
